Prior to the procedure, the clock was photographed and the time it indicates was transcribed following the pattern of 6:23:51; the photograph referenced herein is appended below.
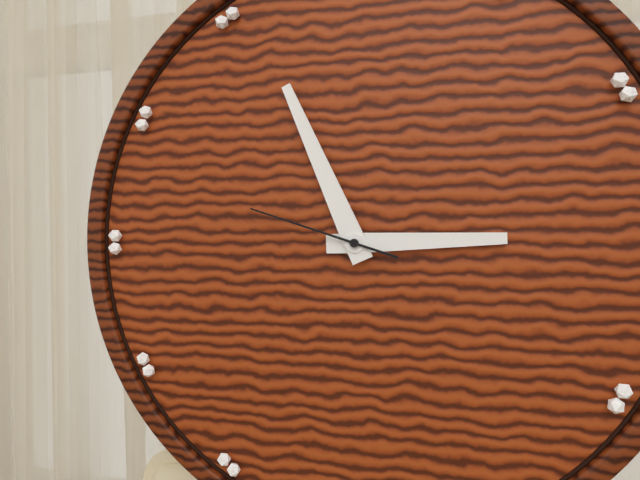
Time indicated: 2:56:48
